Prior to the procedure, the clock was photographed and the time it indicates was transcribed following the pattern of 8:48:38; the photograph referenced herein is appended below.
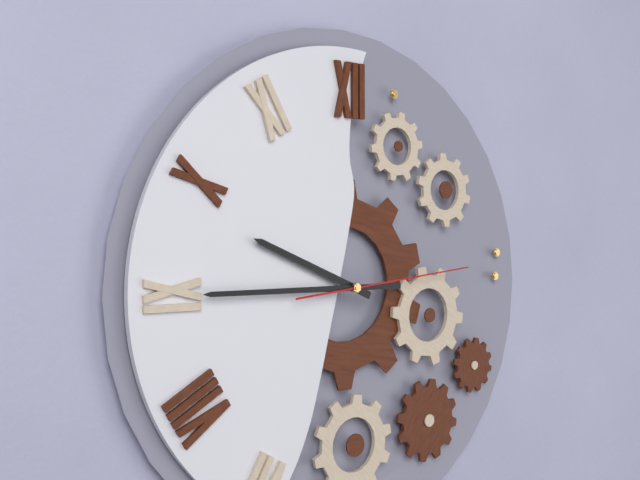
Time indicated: 9:45:14
